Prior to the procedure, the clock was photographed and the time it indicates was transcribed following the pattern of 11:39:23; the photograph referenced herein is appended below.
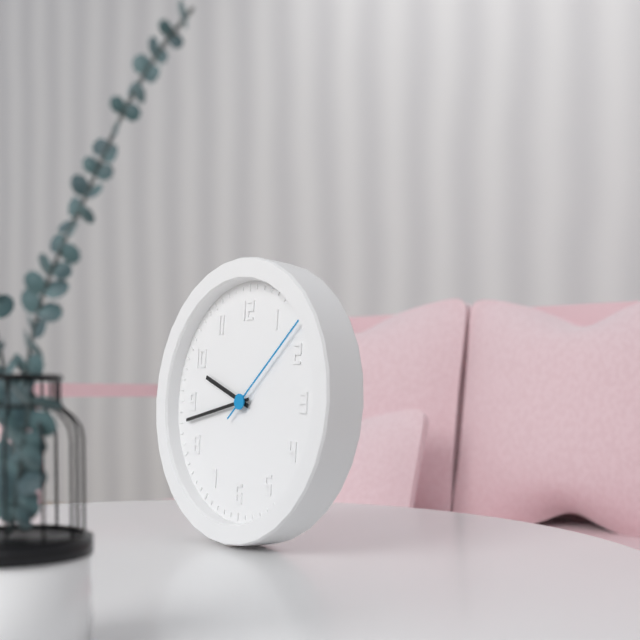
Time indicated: 9:43:08
